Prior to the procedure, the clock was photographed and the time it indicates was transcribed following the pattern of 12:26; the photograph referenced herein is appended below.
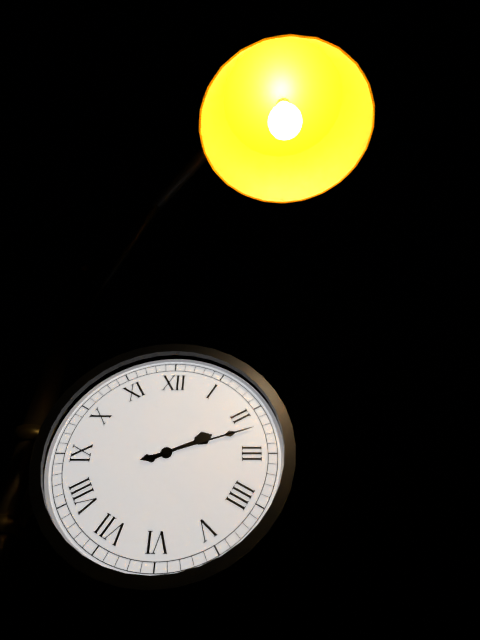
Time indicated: 2:12
